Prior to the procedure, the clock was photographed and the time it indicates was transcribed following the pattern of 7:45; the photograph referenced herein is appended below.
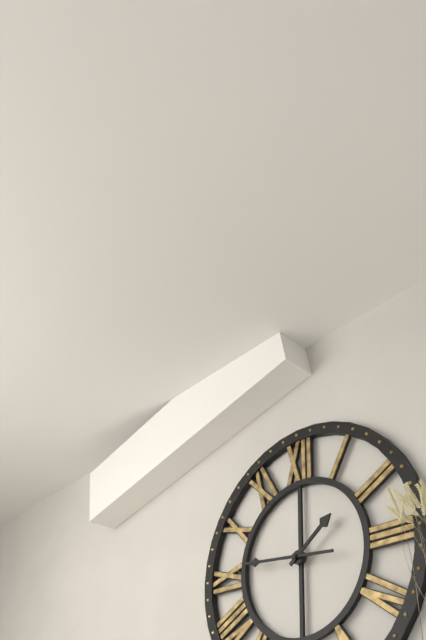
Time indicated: 1:46
